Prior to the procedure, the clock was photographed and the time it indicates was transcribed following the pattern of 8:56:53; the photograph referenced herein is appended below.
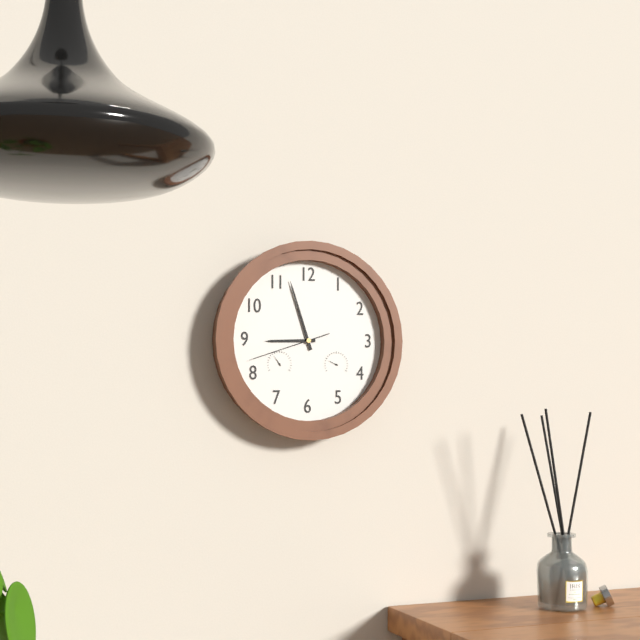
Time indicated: 8:57:42
